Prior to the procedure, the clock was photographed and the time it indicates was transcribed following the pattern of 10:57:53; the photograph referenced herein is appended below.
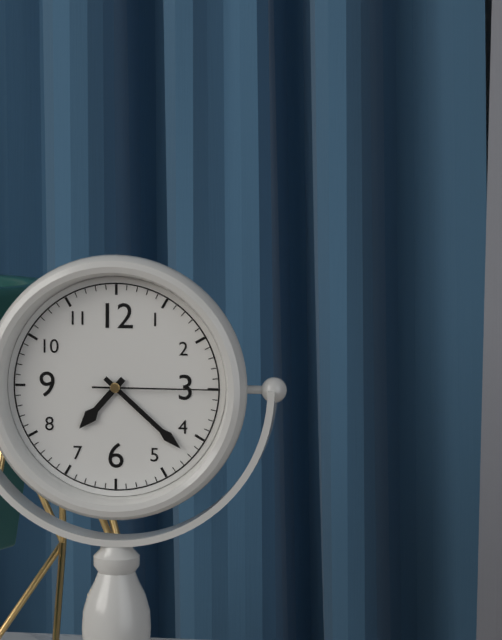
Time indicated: 7:22:15
